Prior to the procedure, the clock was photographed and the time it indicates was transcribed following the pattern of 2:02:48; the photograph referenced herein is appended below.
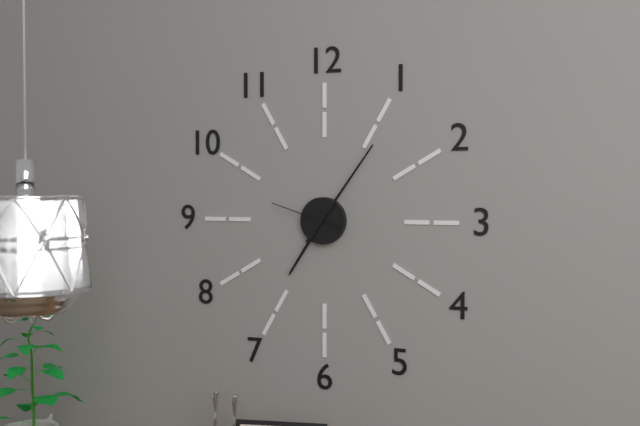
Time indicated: 7:06:48
